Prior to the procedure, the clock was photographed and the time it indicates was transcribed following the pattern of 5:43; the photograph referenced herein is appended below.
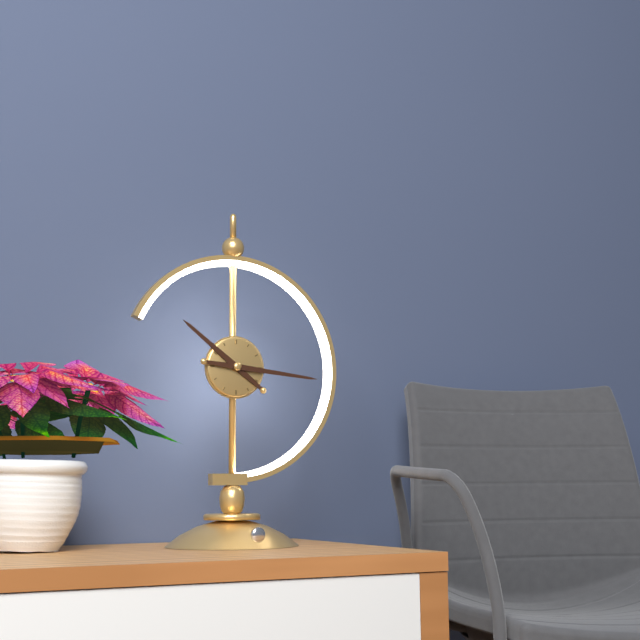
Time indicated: 10:16
